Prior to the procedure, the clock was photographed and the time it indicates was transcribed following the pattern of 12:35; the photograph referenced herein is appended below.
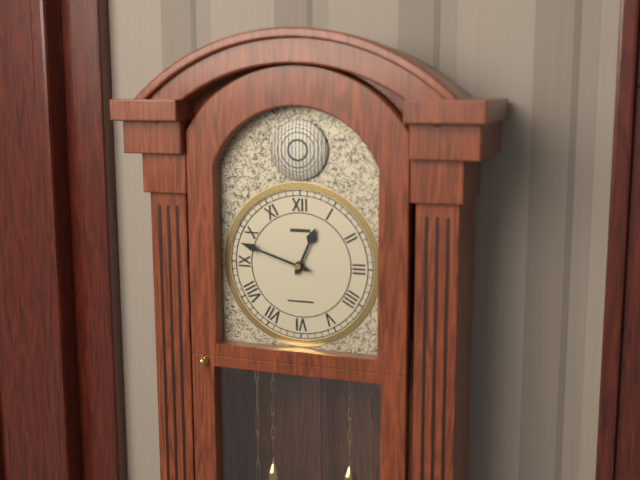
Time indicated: 12:48
